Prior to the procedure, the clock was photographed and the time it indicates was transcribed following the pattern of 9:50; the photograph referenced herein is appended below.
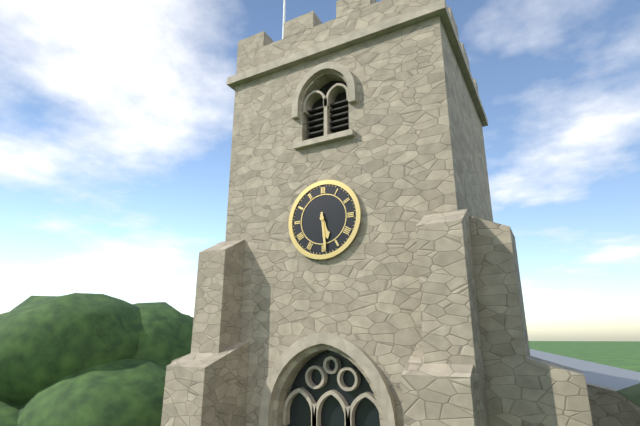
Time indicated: 5:29
